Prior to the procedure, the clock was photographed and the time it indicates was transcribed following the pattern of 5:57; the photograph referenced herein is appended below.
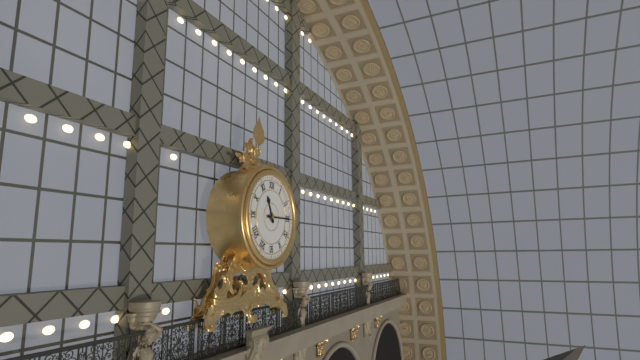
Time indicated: 11:15
